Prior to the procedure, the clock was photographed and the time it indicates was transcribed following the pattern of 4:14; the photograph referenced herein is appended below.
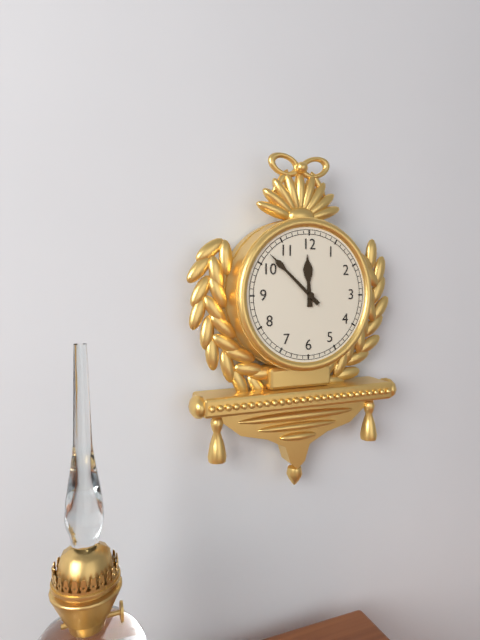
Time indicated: 11:52
